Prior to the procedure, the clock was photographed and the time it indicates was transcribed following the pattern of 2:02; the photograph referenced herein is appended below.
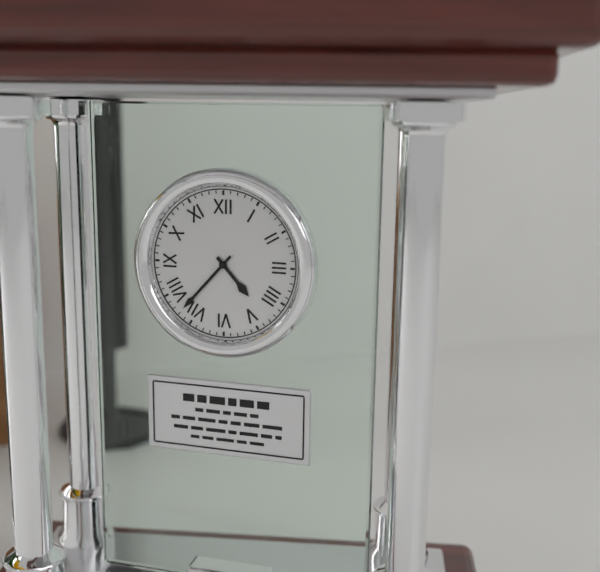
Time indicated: 4:37
